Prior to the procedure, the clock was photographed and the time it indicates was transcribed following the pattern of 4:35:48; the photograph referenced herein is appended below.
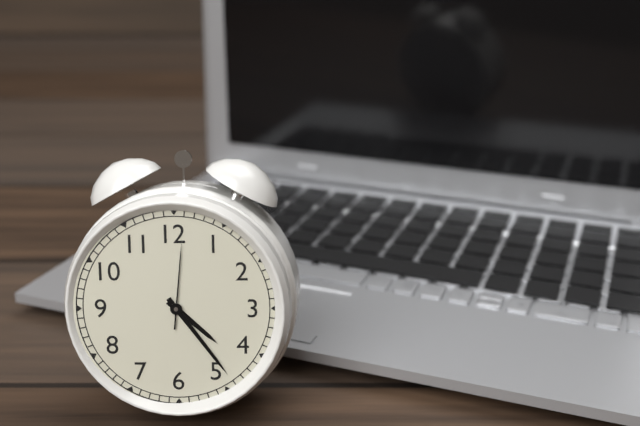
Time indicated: 4:24:01
